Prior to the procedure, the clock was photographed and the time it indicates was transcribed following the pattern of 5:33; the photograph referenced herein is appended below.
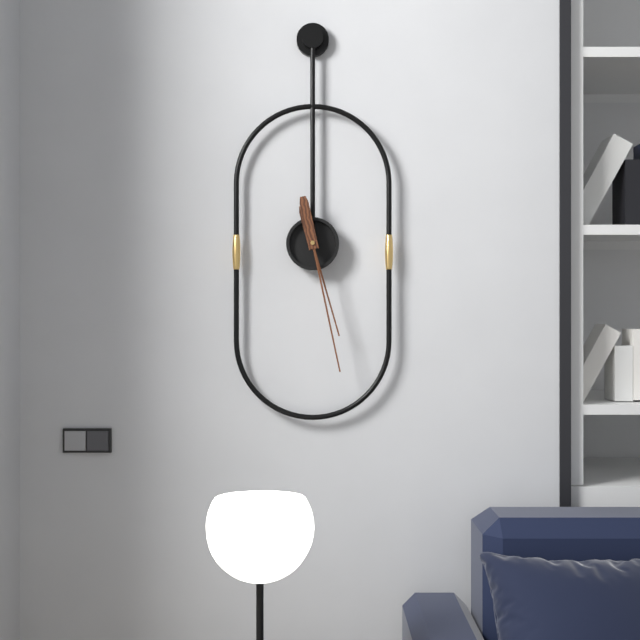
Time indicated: 5:28
